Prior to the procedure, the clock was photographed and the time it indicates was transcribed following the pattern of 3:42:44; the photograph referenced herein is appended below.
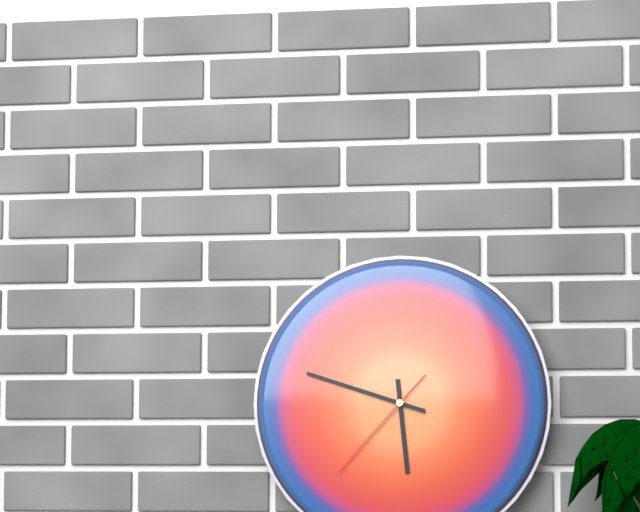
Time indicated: 5:48:37
